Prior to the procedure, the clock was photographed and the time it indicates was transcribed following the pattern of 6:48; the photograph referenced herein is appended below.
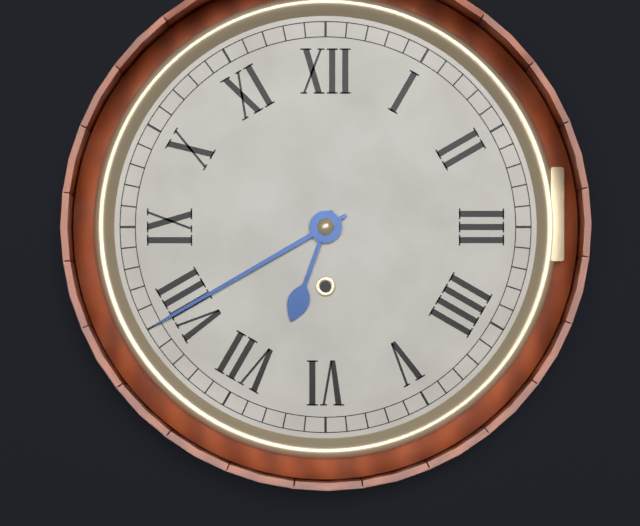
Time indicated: 6:40
